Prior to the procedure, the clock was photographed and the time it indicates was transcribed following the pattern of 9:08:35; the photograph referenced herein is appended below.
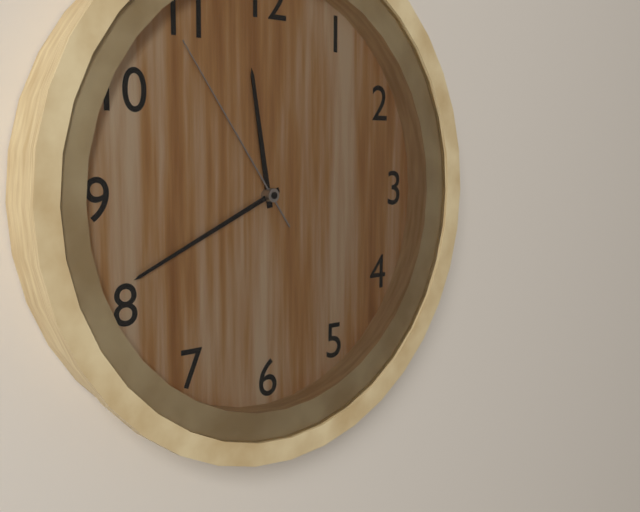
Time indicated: 11:41:54
